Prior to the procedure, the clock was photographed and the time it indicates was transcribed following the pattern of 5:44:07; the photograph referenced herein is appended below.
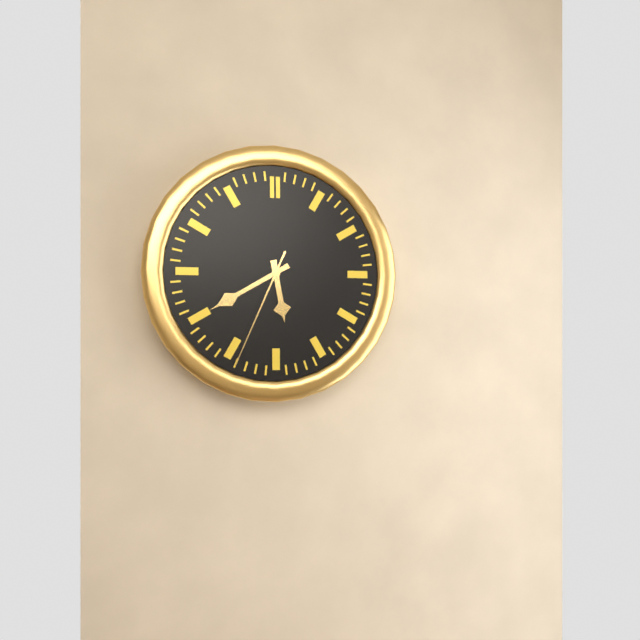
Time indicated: 5:40:34
